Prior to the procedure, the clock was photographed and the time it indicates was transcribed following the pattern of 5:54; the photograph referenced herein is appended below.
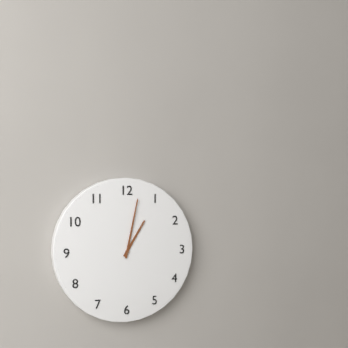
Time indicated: 1:02
